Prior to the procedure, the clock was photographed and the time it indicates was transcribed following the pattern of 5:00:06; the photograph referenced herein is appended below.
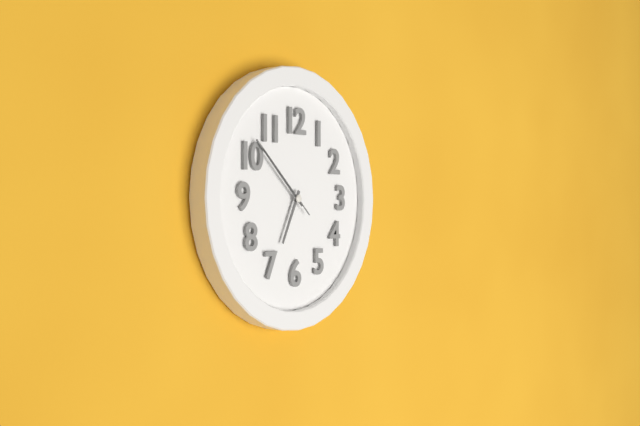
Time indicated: 6:52:52
